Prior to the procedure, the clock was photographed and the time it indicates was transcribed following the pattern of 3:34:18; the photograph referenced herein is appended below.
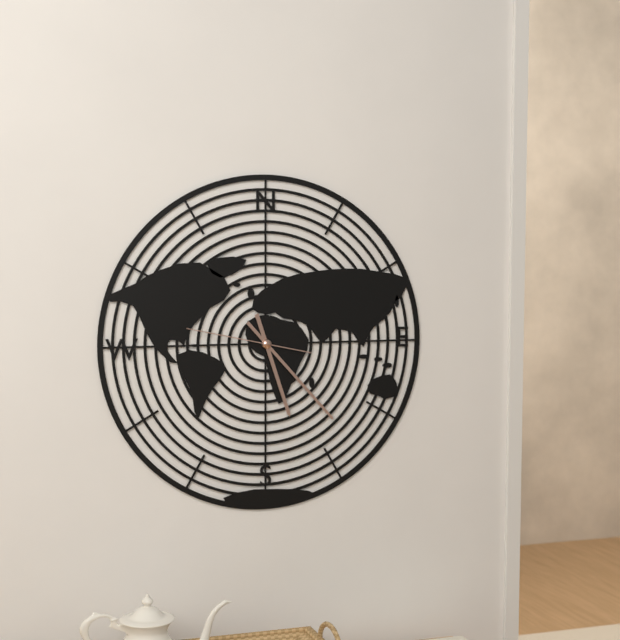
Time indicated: 5:23:47
